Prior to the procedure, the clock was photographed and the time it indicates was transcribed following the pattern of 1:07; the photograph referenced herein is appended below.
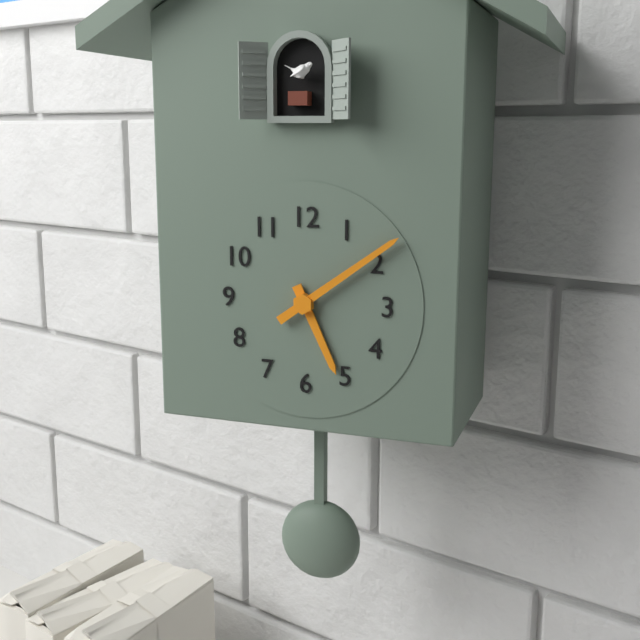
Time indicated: 5:09
